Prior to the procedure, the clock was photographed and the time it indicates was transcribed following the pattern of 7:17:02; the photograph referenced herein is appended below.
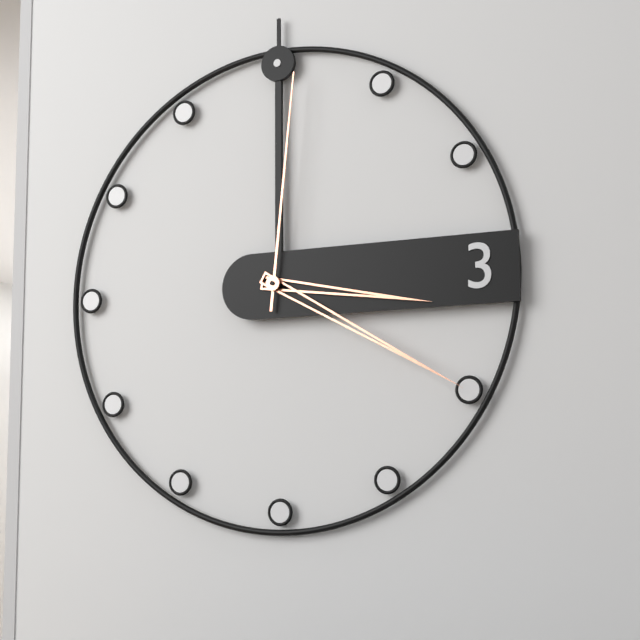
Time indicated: 3:20:01
